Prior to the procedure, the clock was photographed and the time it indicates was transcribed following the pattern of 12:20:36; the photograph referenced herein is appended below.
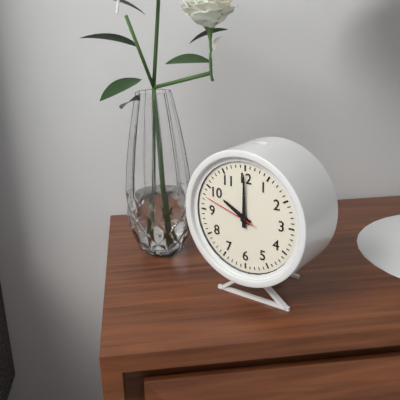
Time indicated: 10:00:48
